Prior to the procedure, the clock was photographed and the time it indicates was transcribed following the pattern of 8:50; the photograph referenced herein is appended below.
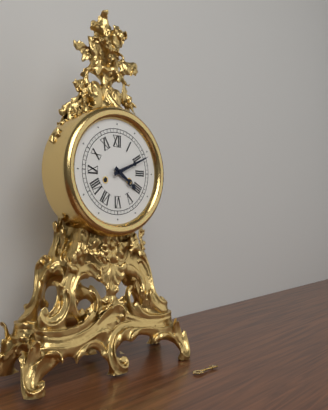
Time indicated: 4:11
